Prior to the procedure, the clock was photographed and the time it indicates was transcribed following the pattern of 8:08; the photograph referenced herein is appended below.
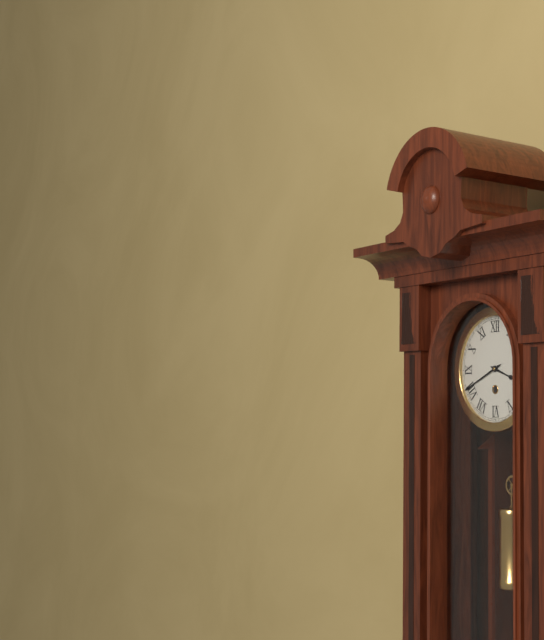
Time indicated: 3:41
